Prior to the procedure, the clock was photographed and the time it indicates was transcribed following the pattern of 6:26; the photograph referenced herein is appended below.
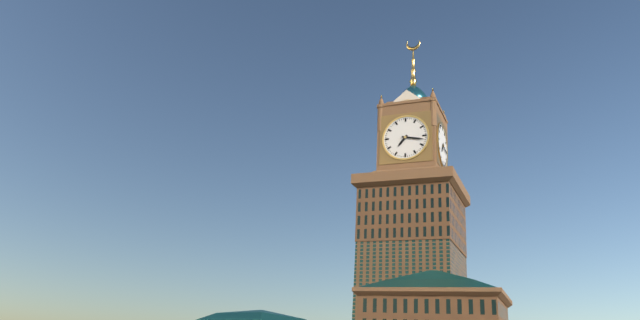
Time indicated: 7:17
